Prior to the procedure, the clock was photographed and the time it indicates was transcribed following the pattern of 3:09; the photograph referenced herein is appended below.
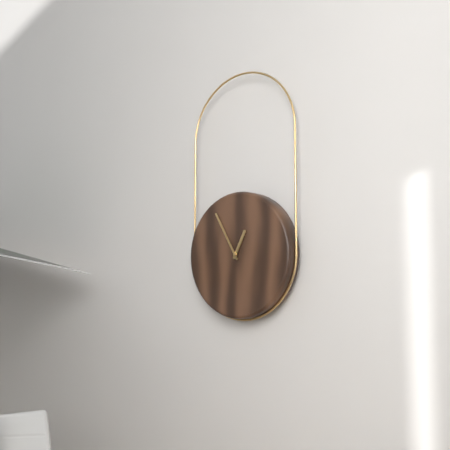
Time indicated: 12:55
